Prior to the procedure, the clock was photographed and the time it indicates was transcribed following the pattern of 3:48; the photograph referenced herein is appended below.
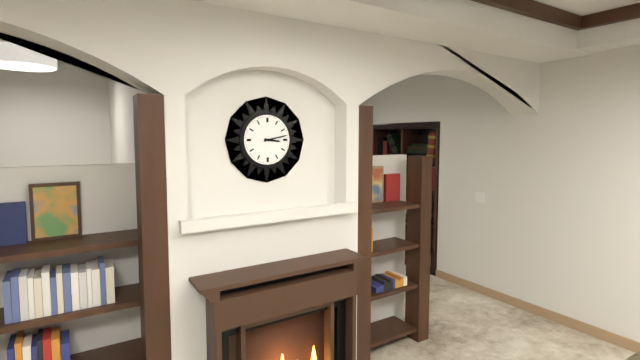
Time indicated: 3:13
